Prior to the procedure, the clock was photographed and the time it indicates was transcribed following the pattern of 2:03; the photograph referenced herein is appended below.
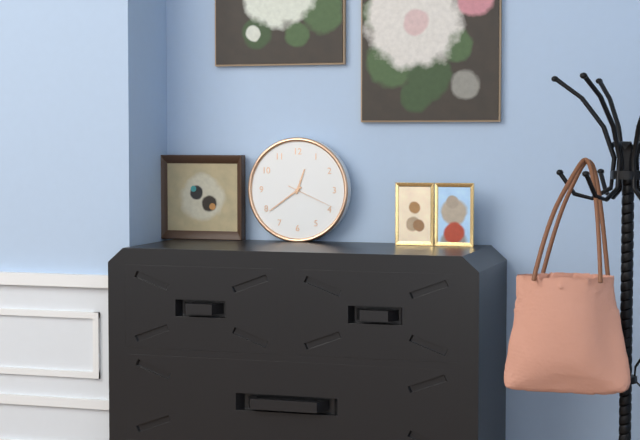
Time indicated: 12:39
